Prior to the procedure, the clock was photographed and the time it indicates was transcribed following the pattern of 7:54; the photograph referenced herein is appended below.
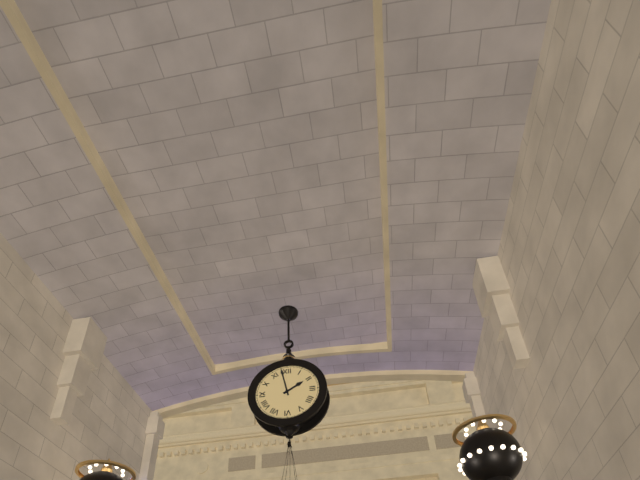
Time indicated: 1:58
